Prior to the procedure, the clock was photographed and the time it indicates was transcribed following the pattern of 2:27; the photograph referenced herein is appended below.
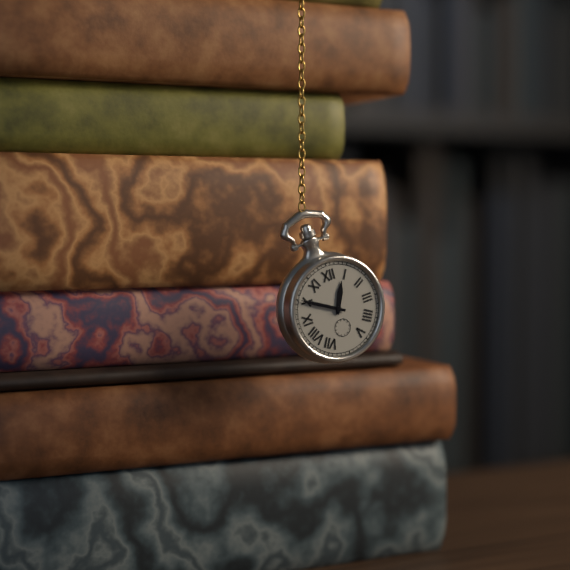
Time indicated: 12:50
